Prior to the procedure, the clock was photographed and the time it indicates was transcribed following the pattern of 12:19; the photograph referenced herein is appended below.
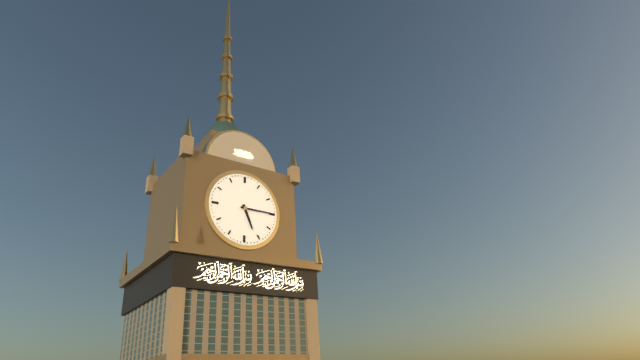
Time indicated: 5:15
